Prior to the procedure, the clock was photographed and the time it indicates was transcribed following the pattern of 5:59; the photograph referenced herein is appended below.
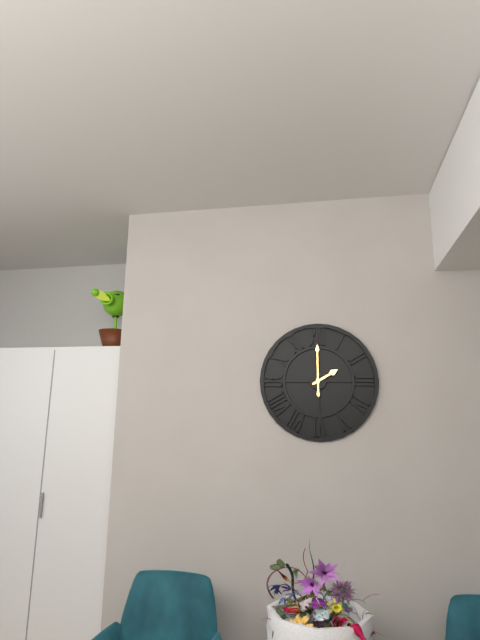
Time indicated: 2:00
